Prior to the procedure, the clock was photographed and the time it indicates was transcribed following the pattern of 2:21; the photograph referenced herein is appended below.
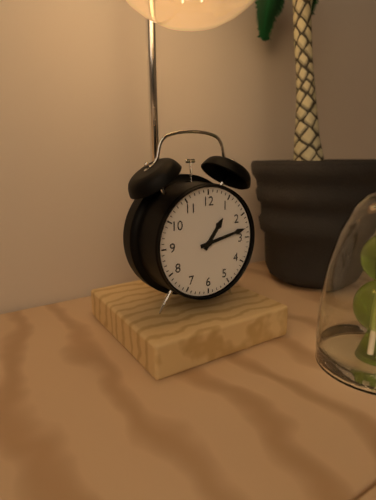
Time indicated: 1:13
